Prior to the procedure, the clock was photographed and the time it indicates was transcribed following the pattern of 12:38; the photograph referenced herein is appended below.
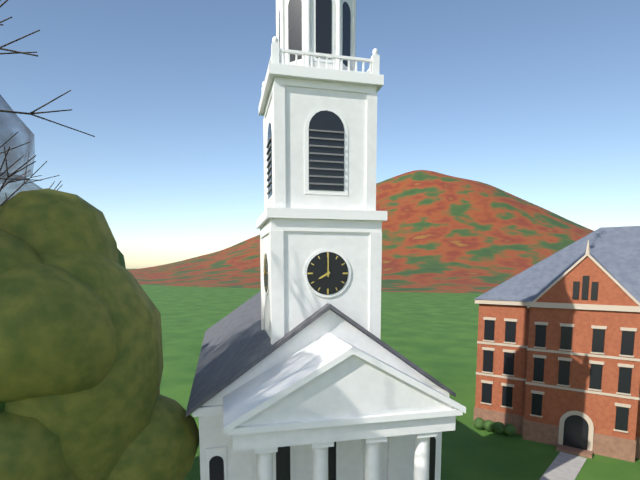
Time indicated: 8:00
